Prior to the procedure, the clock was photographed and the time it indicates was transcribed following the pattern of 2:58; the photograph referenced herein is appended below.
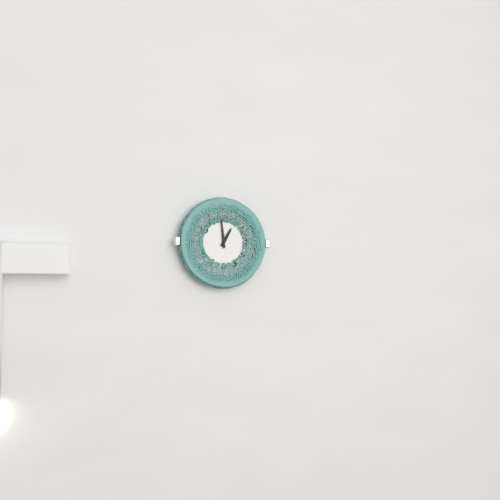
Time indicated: 12:59
